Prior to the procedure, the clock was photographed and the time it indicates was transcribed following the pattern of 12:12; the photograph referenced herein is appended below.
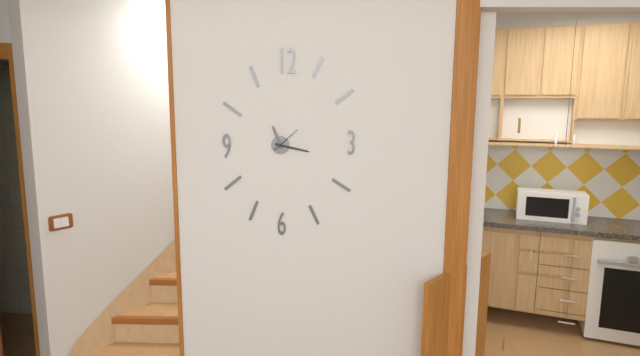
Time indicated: 11:17
